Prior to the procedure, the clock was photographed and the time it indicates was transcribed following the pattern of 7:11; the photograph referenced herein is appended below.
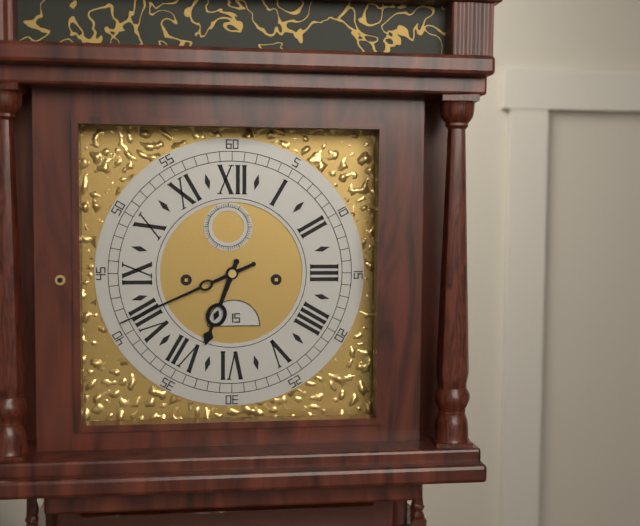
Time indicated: 6:41
